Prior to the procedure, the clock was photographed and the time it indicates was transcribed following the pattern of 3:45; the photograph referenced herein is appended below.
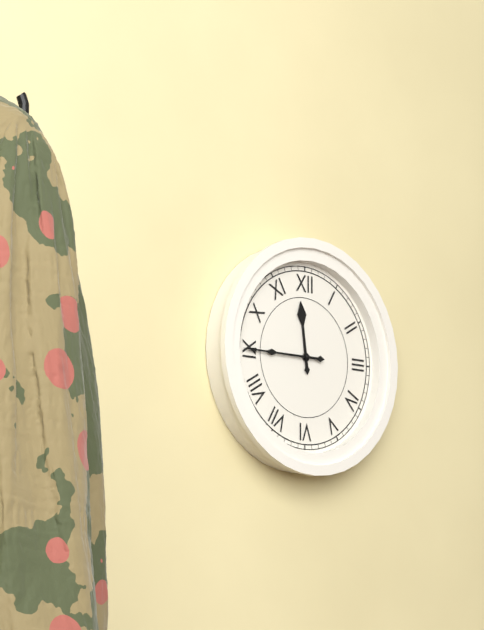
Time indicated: 11:45
